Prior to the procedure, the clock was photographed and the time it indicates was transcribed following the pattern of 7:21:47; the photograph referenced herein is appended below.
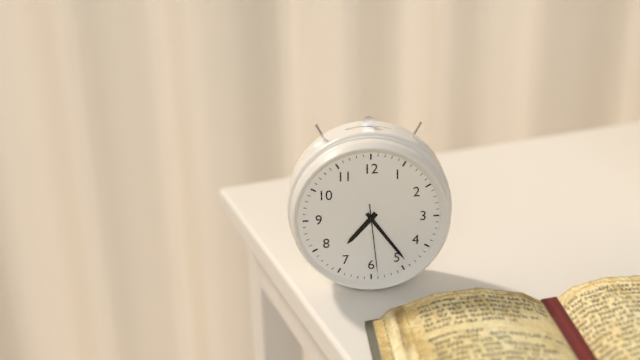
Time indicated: 7:24:29
